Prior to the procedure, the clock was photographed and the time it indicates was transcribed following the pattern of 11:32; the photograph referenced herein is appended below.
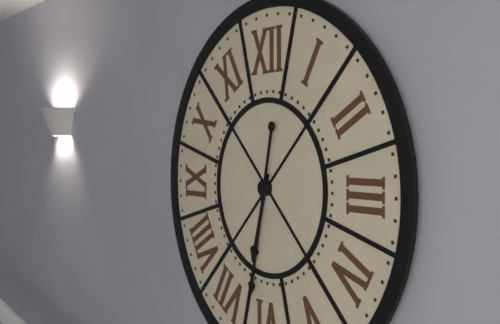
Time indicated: 6:32
